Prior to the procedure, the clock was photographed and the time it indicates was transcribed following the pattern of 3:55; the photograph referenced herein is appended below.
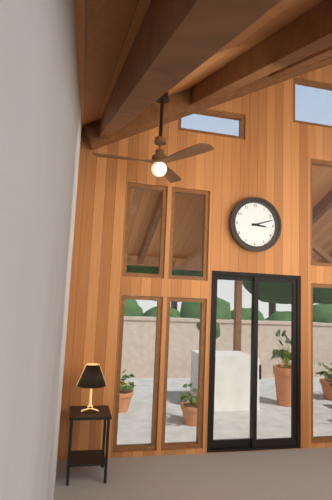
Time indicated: 3:12
